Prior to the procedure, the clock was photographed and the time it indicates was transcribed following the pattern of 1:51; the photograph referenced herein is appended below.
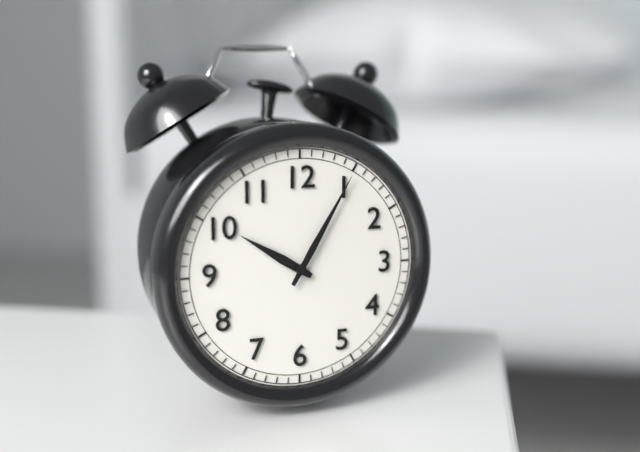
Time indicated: 10:05
